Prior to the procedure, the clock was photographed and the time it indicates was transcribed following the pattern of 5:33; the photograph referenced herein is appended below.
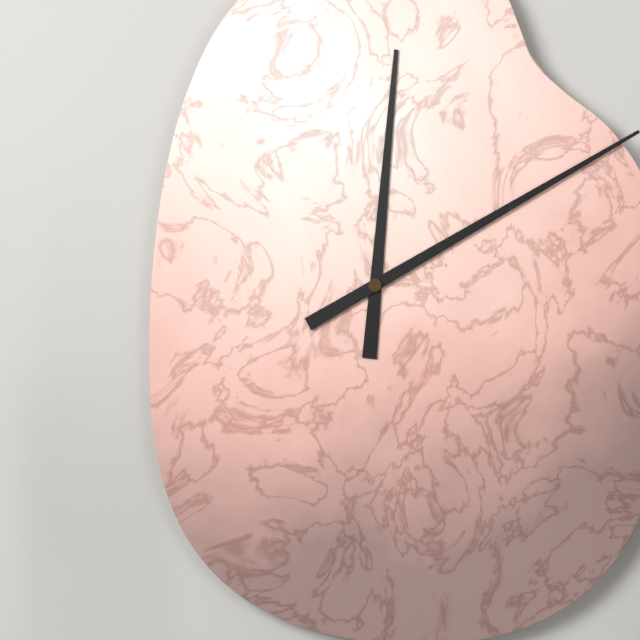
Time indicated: 12:10
